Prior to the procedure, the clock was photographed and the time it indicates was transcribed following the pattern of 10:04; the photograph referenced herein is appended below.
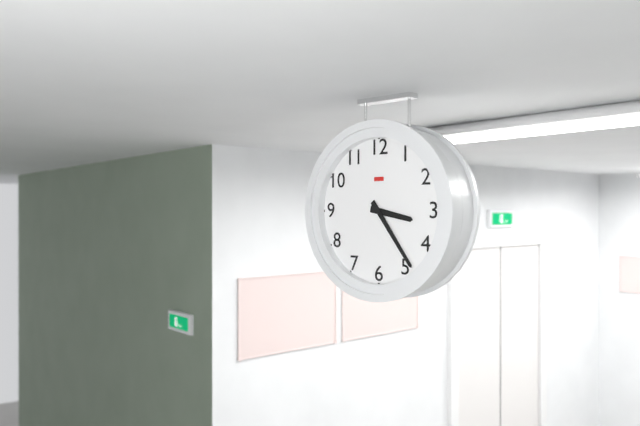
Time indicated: 3:24
